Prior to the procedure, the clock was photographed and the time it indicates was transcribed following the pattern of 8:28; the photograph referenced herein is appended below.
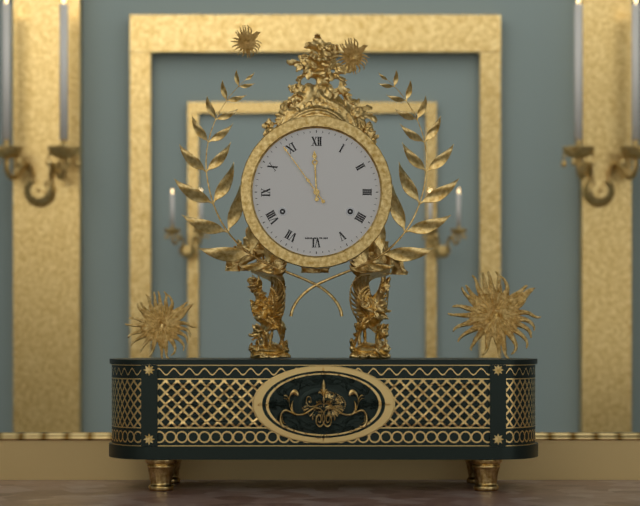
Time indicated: 11:54
